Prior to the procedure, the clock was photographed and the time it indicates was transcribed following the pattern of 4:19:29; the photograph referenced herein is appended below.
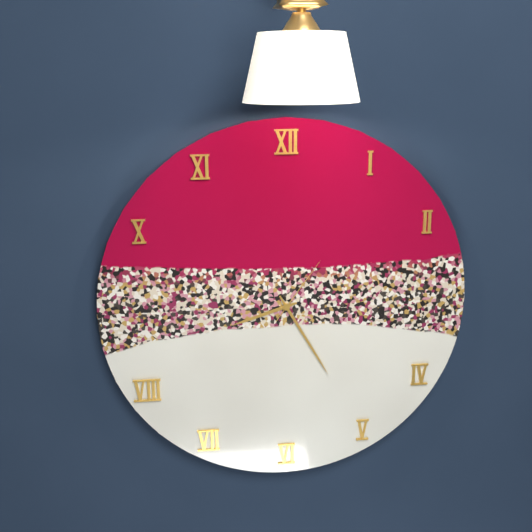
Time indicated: 8:25:06
